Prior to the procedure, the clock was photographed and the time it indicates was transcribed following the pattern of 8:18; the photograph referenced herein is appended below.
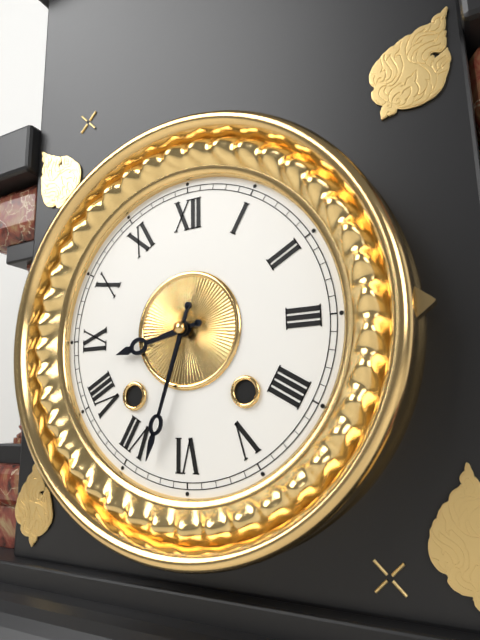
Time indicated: 8:33
